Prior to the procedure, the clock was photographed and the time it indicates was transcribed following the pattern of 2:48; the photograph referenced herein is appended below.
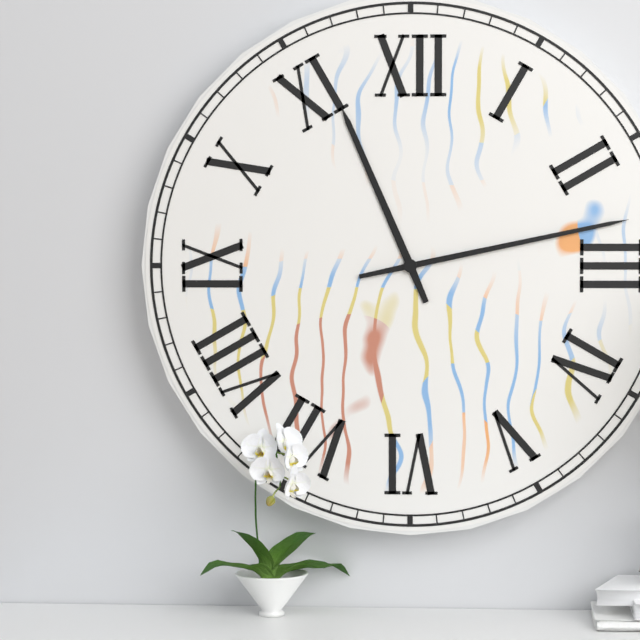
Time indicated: 11:13
